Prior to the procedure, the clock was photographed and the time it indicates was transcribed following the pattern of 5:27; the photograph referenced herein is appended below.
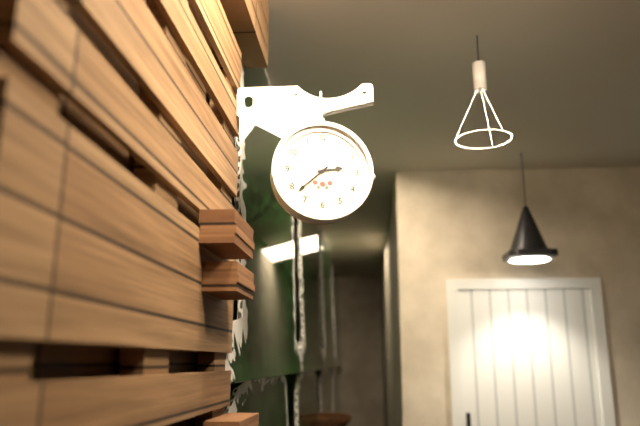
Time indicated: 2:38
